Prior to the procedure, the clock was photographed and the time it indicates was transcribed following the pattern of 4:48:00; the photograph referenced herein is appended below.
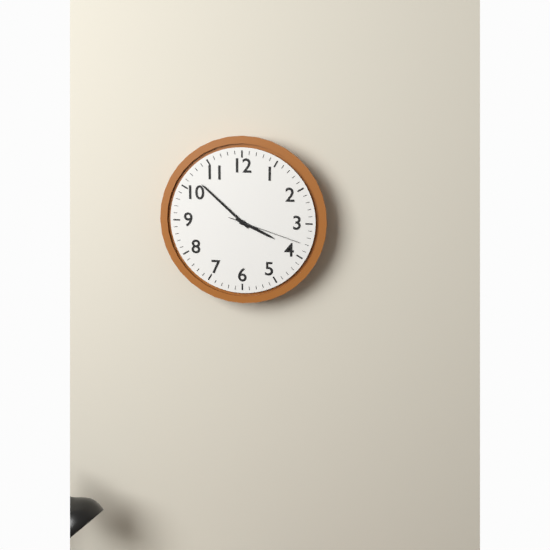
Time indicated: 3:52:18
